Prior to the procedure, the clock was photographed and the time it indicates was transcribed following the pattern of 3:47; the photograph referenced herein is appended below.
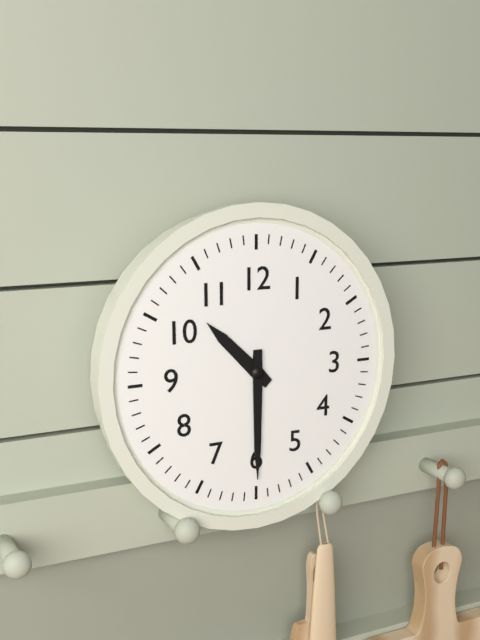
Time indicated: 10:30
